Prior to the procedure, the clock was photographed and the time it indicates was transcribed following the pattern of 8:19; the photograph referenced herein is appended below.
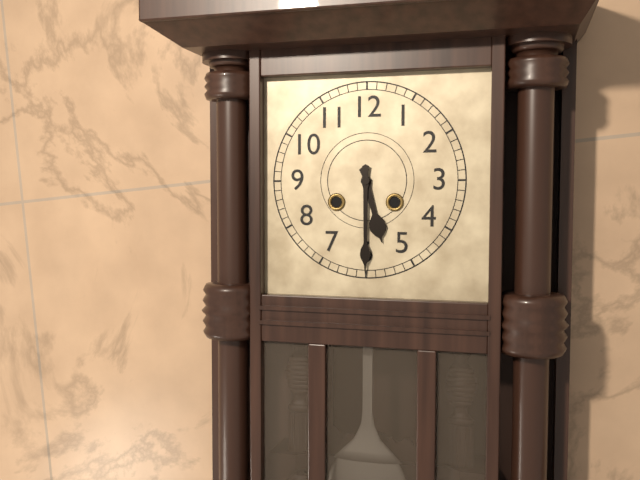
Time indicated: 5:30
